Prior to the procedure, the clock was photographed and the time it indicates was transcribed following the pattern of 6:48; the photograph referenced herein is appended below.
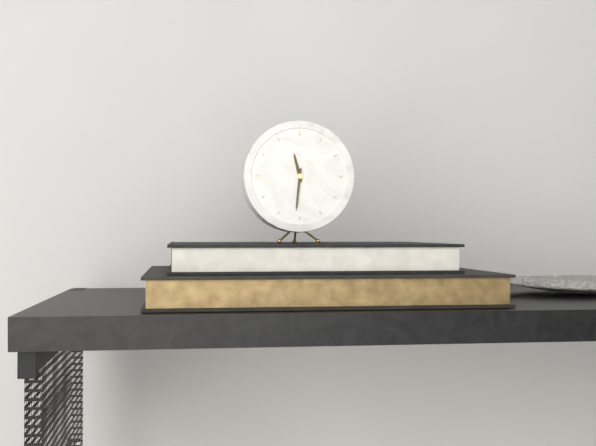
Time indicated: 11:31
